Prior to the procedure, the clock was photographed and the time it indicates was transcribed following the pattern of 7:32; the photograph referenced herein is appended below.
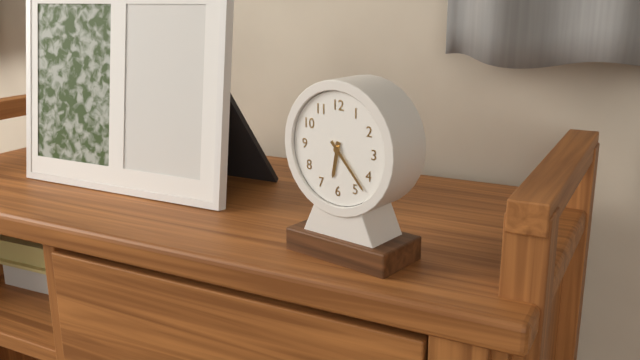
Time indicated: 6:23
